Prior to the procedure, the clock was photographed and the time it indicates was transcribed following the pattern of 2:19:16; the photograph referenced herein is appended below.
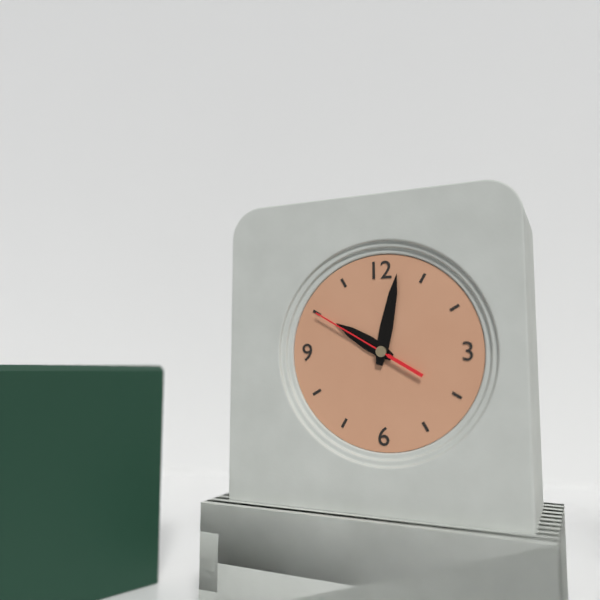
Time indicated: 10:02:50
